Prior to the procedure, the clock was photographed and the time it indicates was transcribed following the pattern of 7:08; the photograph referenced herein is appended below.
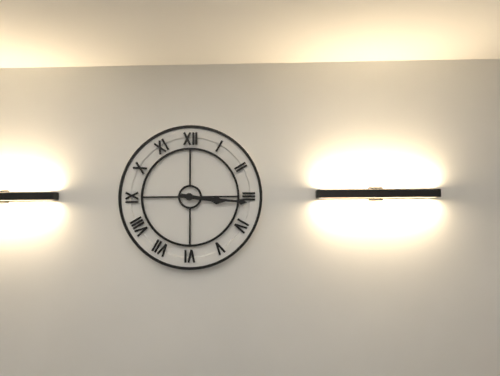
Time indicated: 3:16
